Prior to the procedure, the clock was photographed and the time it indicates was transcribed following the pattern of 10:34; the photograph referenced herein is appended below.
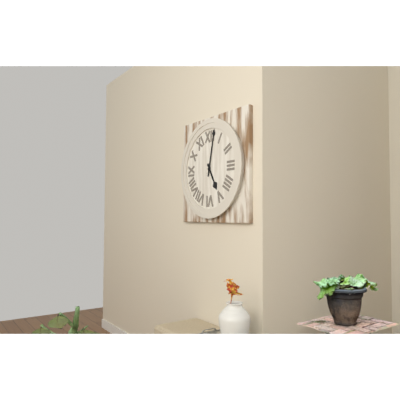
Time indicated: 5:02
